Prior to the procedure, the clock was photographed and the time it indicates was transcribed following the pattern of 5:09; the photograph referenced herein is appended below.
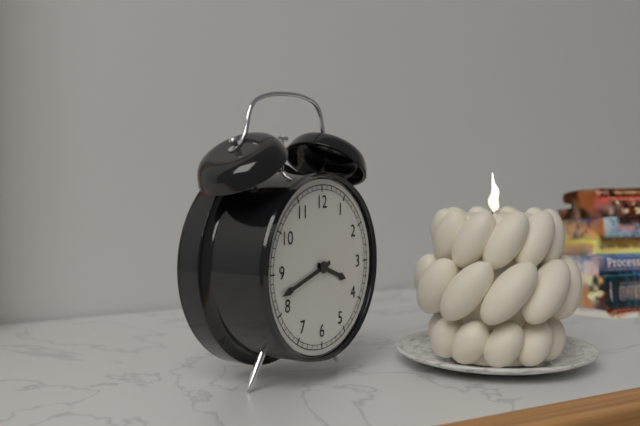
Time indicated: 3:42
